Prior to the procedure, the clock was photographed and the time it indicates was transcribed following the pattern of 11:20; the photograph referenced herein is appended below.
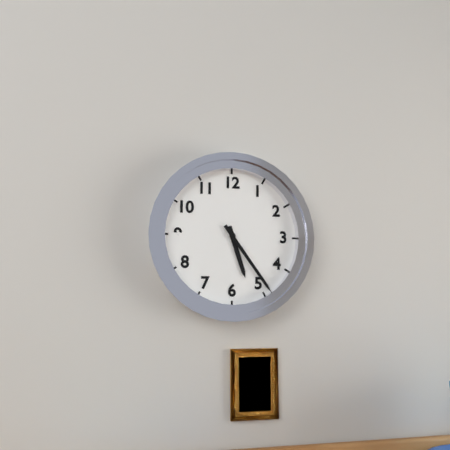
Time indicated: 5:24
